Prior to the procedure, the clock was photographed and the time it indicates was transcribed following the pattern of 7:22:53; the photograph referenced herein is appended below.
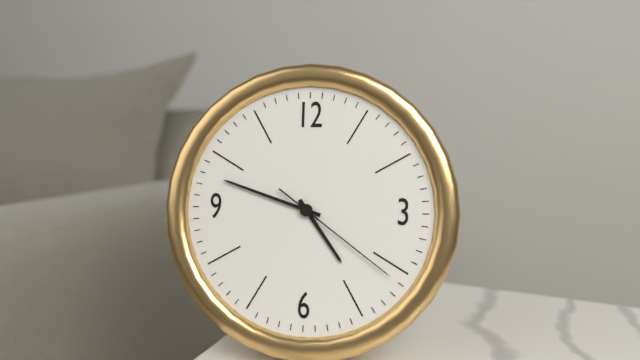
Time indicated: 4:48:21
